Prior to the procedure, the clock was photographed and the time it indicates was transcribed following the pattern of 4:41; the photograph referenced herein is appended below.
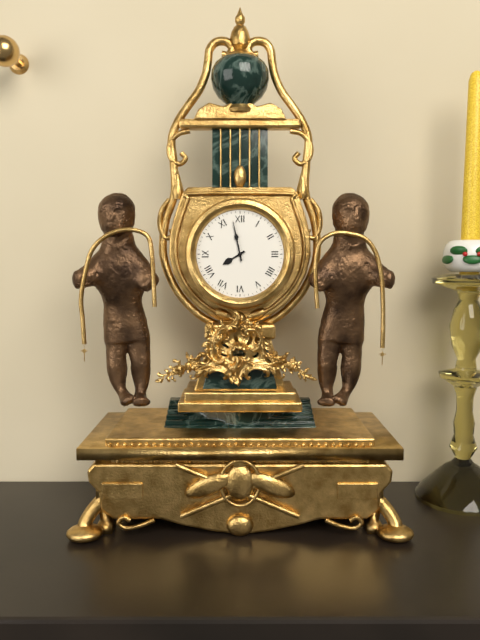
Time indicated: 7:58
